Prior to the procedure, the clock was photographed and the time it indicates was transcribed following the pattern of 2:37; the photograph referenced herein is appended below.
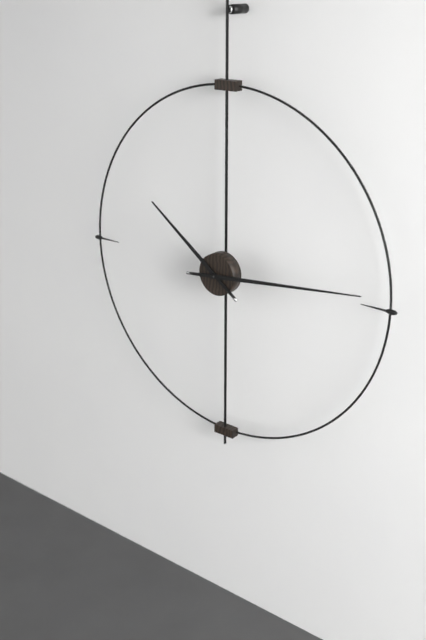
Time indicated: 10:14
